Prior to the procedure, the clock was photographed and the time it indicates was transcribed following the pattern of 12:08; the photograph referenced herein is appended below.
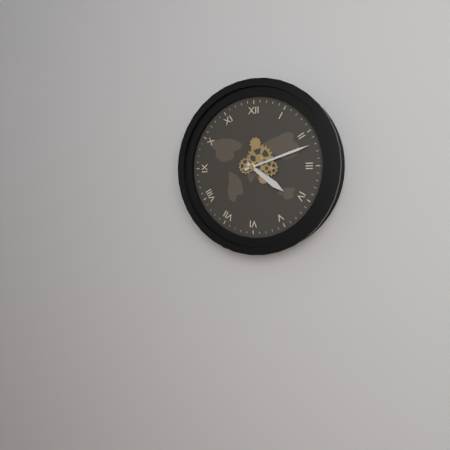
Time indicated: 4:12
